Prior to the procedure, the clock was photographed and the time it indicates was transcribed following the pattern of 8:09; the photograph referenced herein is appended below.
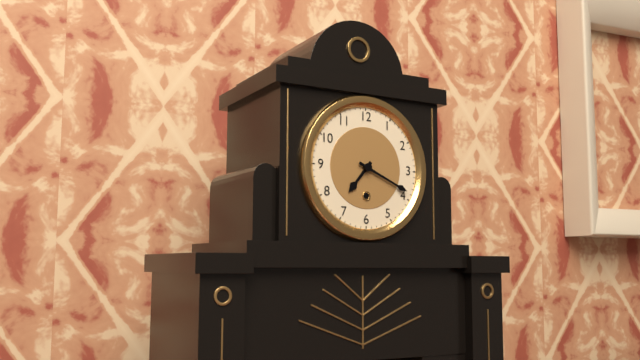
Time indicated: 7:19
